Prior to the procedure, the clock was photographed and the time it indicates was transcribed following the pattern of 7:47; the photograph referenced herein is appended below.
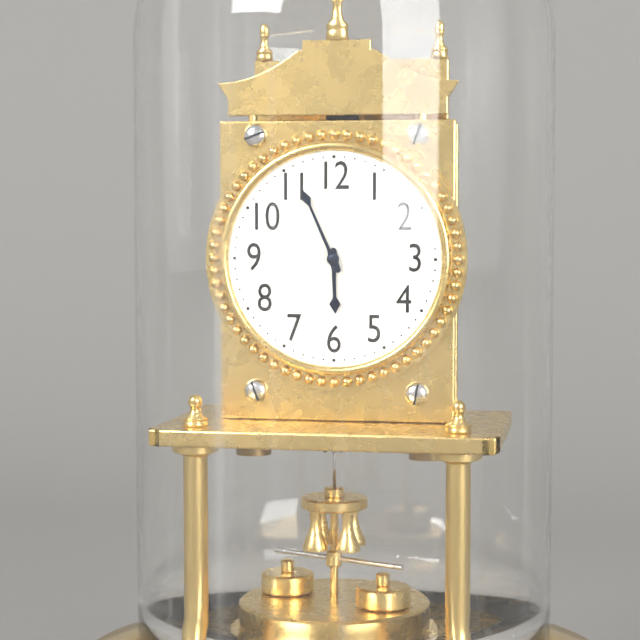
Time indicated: 5:56
